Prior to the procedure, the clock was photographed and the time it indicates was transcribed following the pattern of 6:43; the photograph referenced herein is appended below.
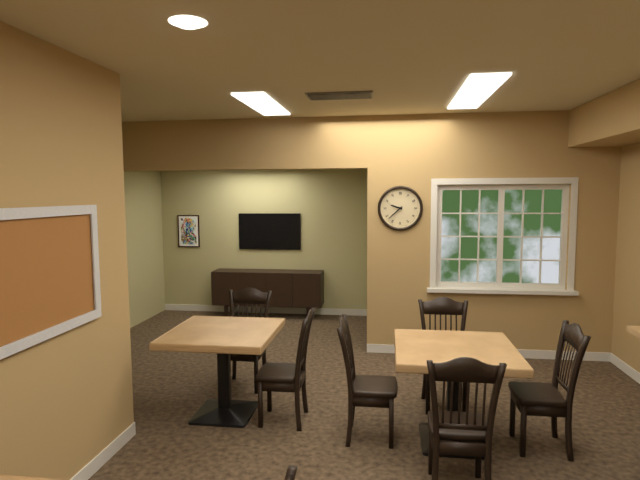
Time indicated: 9:38
